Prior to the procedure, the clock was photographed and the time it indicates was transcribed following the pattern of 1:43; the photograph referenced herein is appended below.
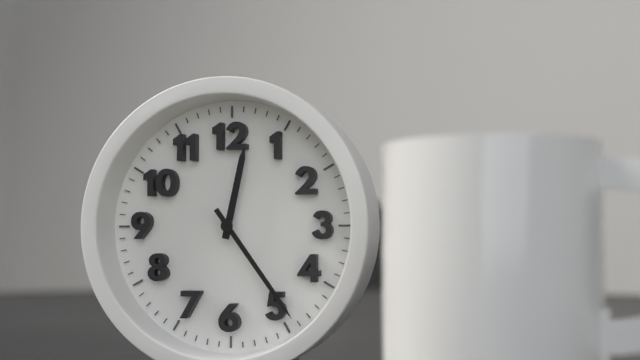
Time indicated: 12:24
